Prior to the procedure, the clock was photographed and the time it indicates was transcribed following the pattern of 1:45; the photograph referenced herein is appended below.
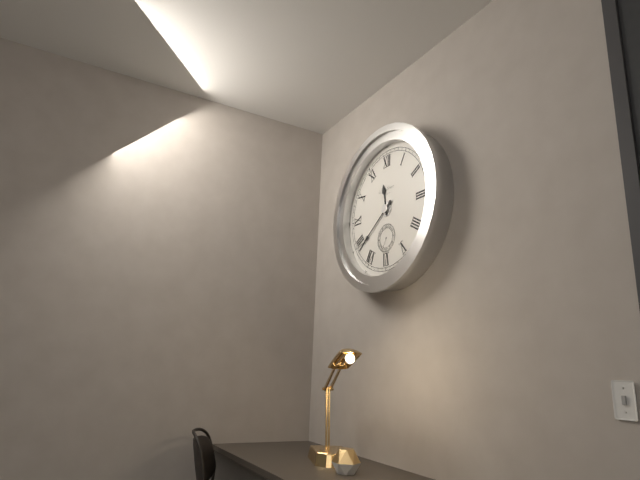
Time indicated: 11:39
